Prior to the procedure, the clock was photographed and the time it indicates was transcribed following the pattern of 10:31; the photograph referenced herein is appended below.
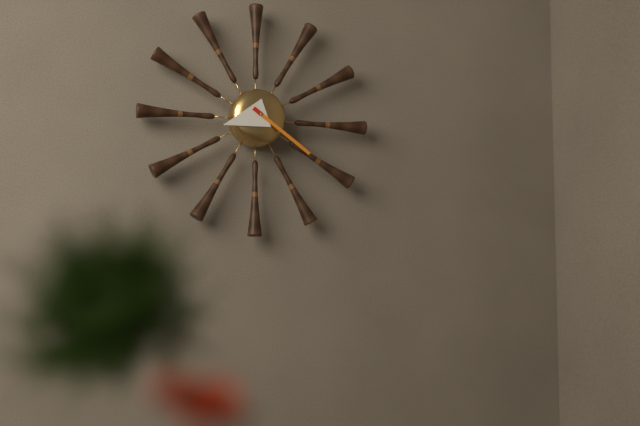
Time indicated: 8:21
